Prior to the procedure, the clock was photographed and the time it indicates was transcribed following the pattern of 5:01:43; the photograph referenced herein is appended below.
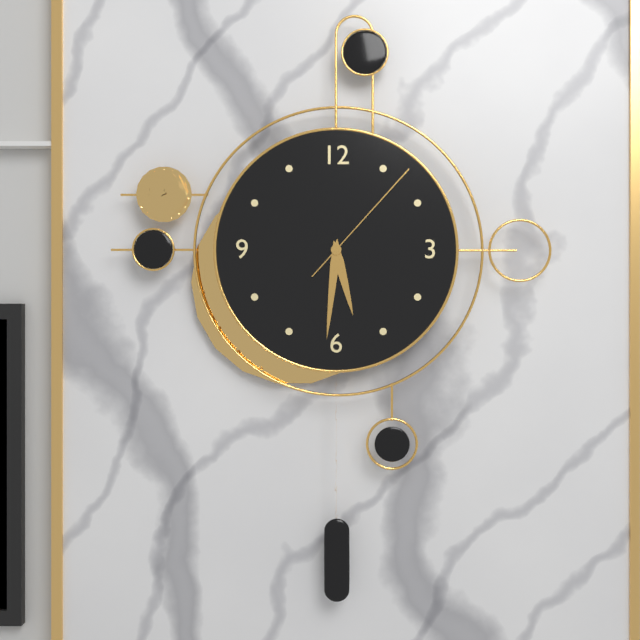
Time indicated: 5:31:07
